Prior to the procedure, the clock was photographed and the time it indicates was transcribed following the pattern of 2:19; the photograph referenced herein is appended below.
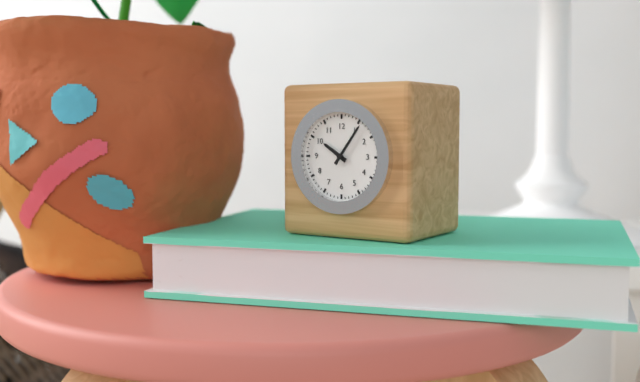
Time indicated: 10:06
